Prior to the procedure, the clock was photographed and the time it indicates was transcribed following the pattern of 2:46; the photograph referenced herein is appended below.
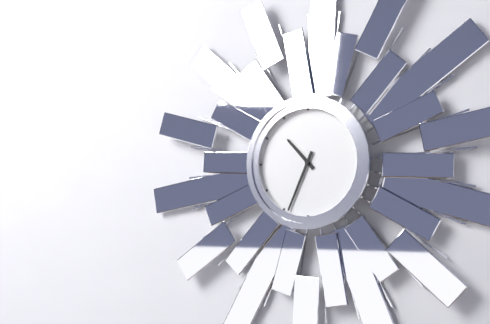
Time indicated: 10:34
